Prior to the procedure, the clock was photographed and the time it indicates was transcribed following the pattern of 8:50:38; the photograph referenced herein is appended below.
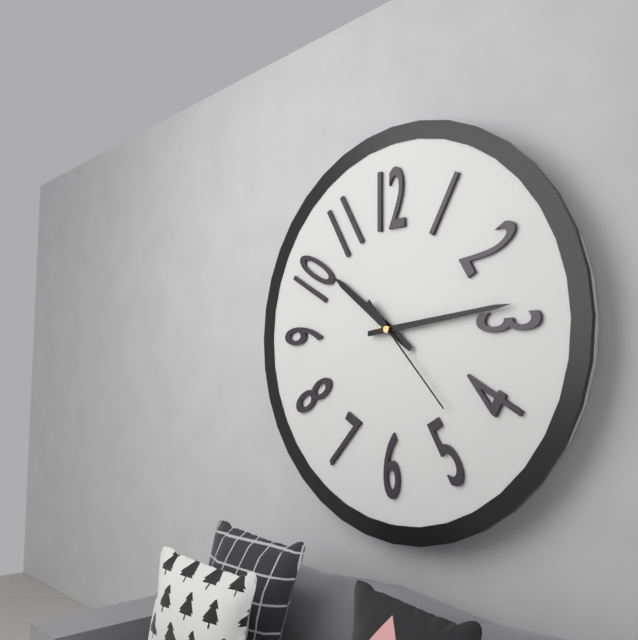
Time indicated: 10:14:23
